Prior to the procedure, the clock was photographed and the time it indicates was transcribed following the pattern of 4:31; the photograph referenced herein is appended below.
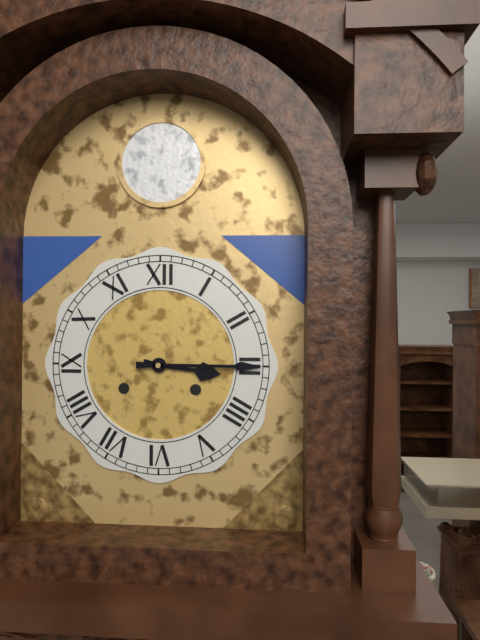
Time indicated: 3:15
